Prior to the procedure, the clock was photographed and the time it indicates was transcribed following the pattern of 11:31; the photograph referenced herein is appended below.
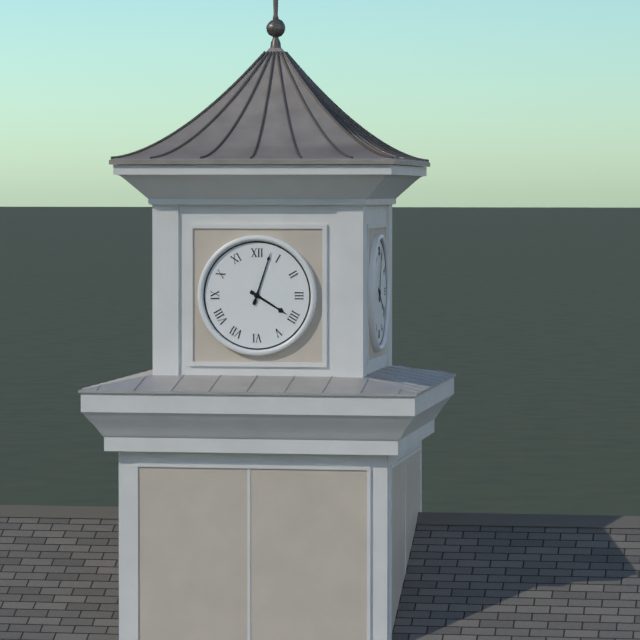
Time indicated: 4:03
